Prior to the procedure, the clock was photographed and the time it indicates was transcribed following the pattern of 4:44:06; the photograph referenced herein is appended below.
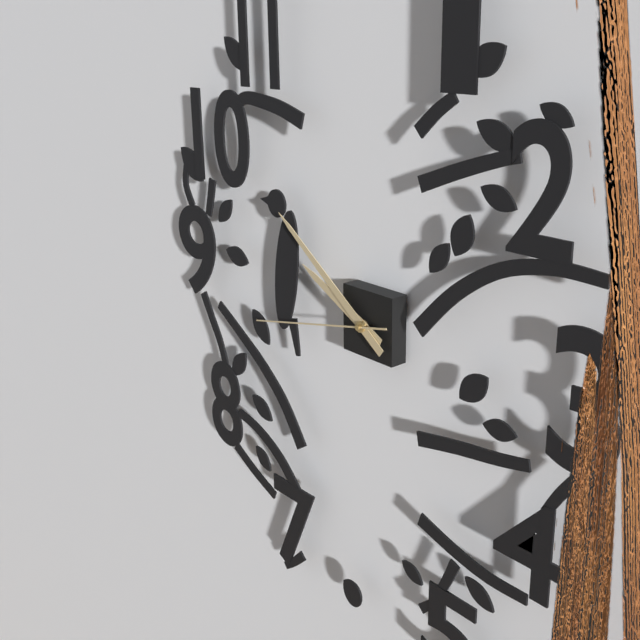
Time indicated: 9:51:43
